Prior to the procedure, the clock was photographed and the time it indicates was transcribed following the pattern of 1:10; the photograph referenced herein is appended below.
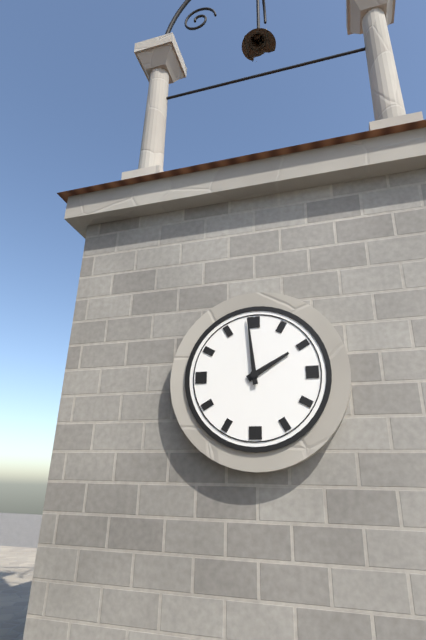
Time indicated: 1:59
